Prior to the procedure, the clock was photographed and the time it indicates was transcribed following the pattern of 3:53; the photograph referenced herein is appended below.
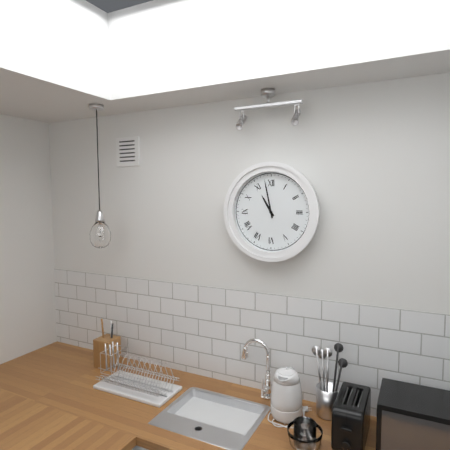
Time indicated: 10:58
